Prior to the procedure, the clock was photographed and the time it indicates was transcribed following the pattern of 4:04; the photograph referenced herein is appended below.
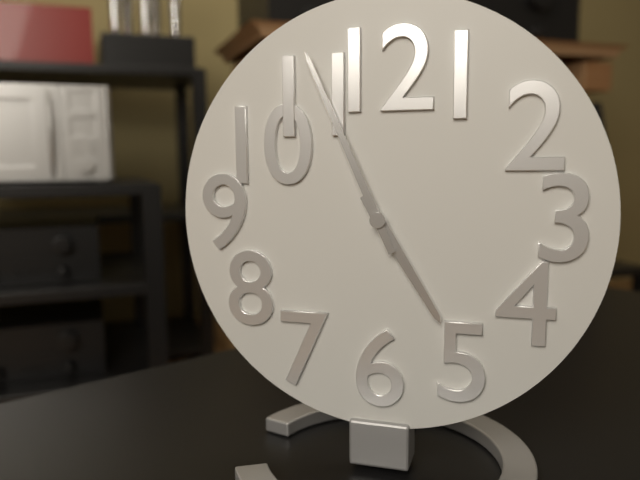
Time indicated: 4:56
